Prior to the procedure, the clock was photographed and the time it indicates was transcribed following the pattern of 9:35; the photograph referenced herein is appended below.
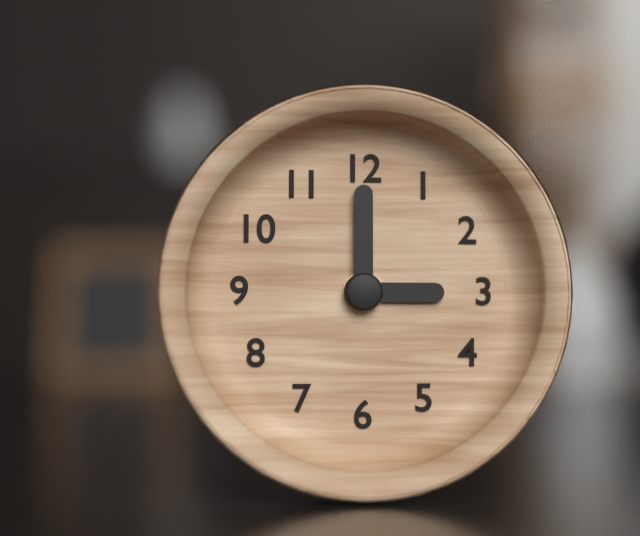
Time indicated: 3:00
